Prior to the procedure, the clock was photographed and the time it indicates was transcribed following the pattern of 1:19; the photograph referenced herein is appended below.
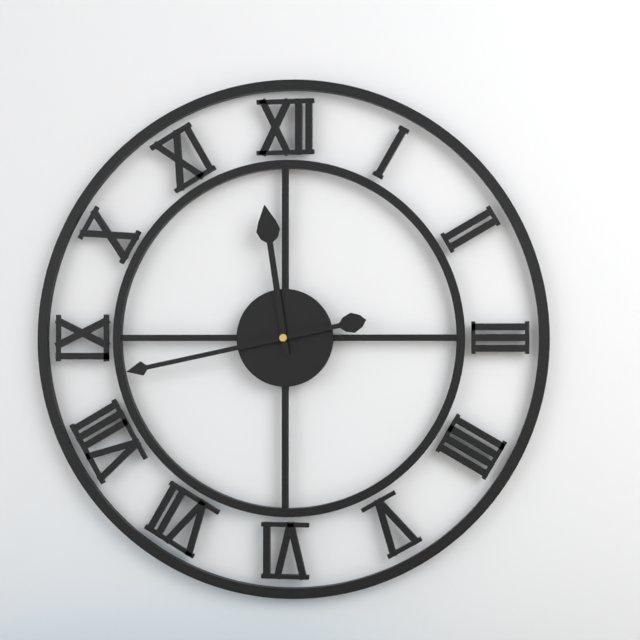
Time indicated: 11:43
